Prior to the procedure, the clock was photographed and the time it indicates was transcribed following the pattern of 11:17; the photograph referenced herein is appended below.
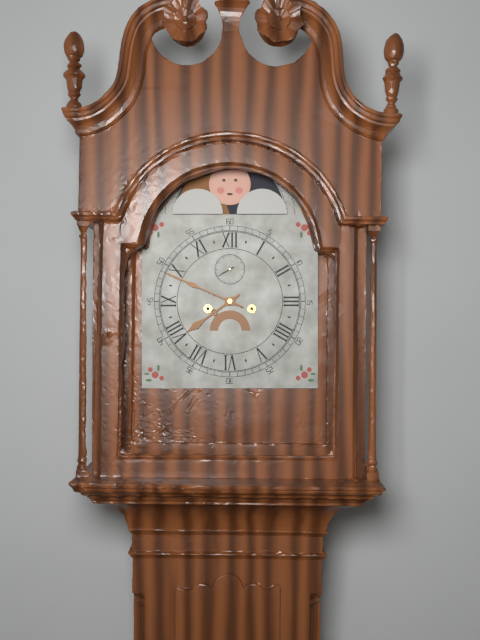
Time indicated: 7:49
